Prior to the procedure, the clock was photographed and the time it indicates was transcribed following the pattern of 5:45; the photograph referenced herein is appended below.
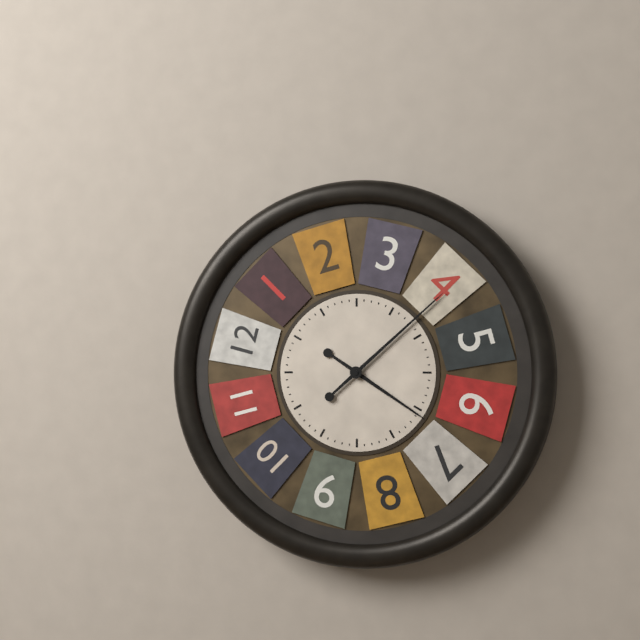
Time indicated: 4:08
